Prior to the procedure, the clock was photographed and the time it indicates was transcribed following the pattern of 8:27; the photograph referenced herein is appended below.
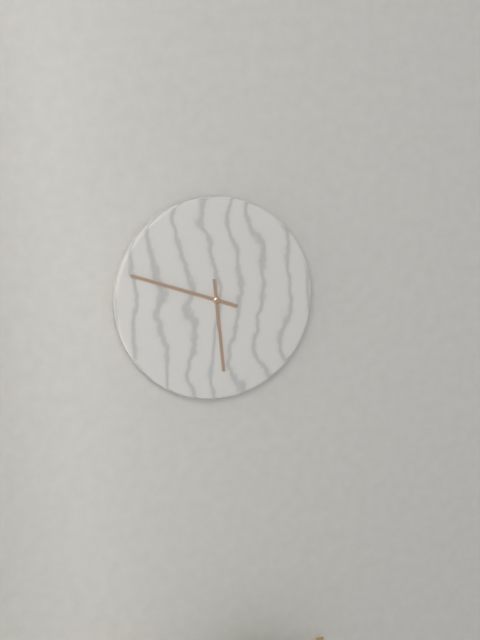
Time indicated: 5:48
